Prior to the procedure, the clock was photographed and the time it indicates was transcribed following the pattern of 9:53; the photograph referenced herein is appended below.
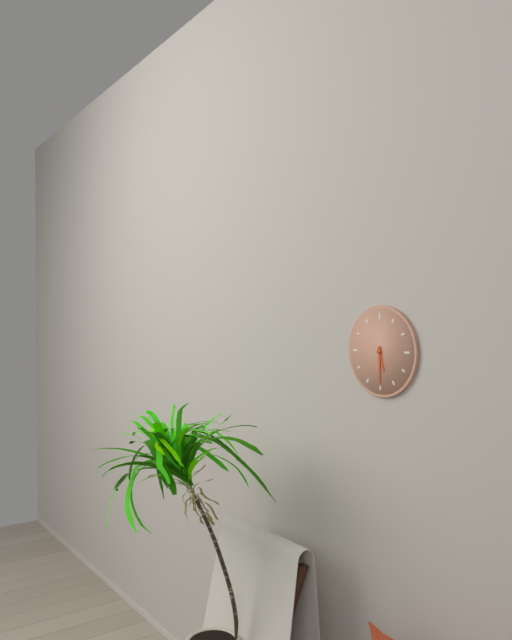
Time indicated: 5:30
